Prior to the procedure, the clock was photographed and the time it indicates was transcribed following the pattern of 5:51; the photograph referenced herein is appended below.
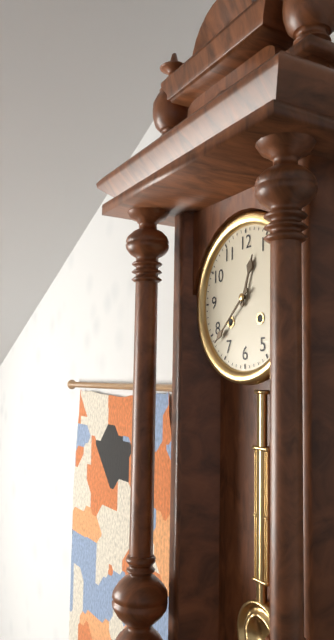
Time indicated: 12:38
